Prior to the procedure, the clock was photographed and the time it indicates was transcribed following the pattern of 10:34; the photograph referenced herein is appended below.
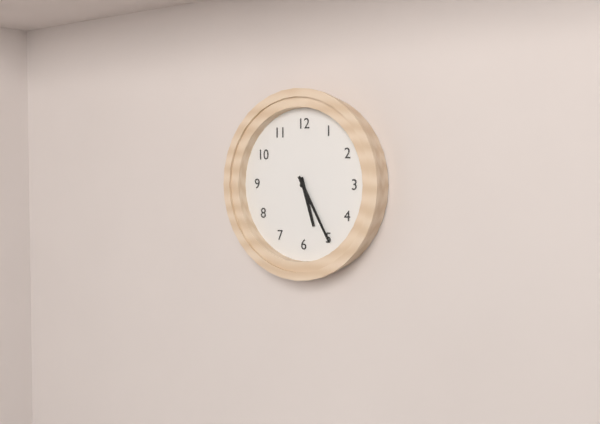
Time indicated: 5:25
